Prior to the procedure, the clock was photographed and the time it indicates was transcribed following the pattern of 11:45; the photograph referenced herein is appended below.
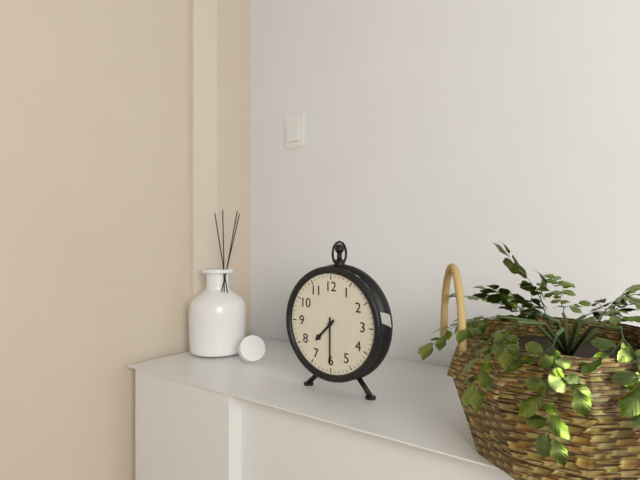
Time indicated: 7:30
